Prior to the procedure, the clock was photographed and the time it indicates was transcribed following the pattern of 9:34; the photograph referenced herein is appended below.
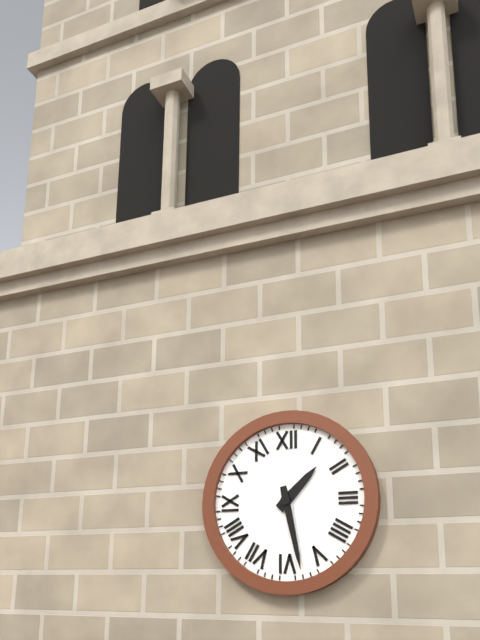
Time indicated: 1:28
